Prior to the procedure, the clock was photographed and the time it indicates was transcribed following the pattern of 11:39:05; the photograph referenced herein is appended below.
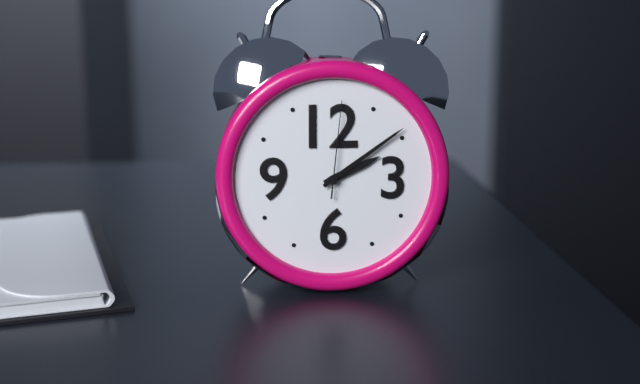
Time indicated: 2:09:01
